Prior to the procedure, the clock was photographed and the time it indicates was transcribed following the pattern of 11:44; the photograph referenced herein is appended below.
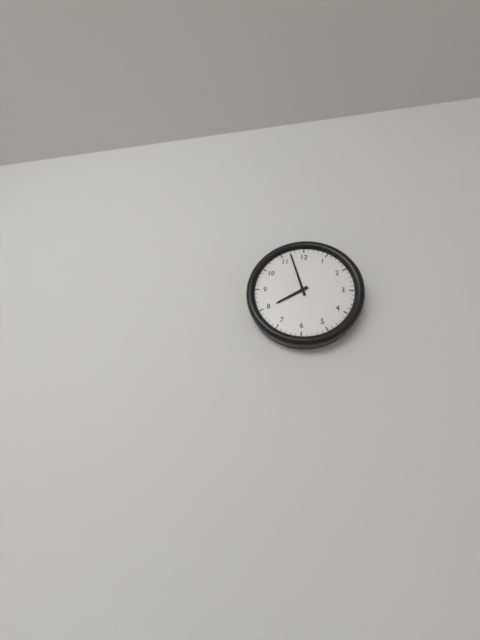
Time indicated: 7:57
